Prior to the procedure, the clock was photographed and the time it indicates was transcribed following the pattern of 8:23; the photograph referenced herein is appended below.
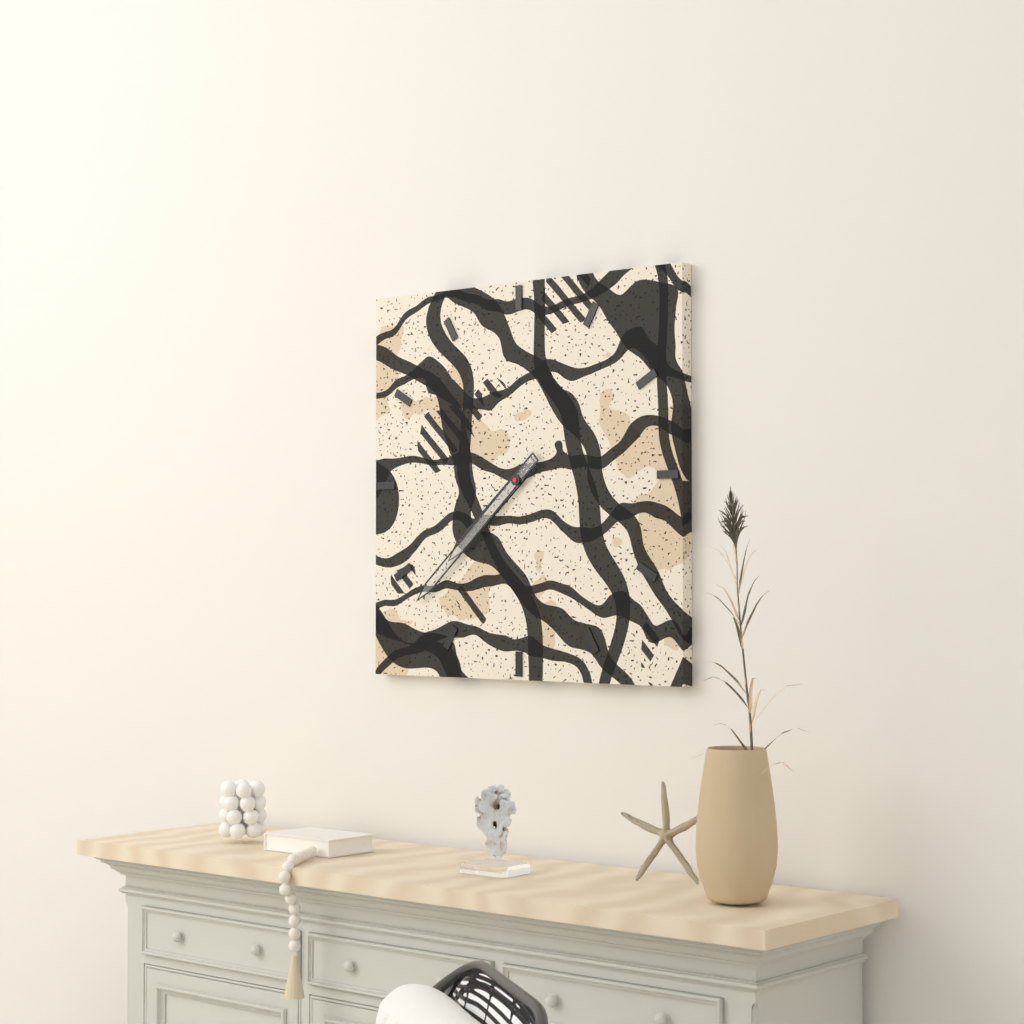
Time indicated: 7:38
